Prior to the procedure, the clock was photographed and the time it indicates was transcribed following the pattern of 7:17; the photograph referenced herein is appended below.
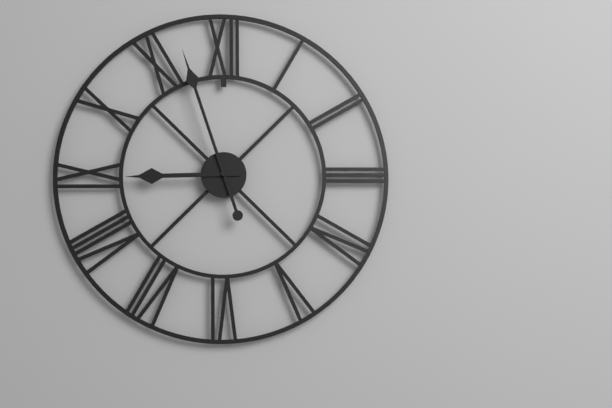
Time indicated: 8:57
